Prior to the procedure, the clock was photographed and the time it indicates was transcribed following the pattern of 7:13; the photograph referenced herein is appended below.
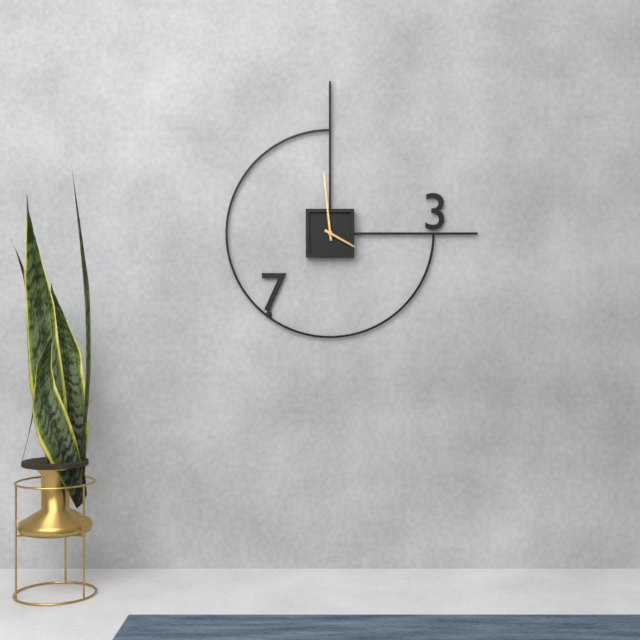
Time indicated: 3:59
